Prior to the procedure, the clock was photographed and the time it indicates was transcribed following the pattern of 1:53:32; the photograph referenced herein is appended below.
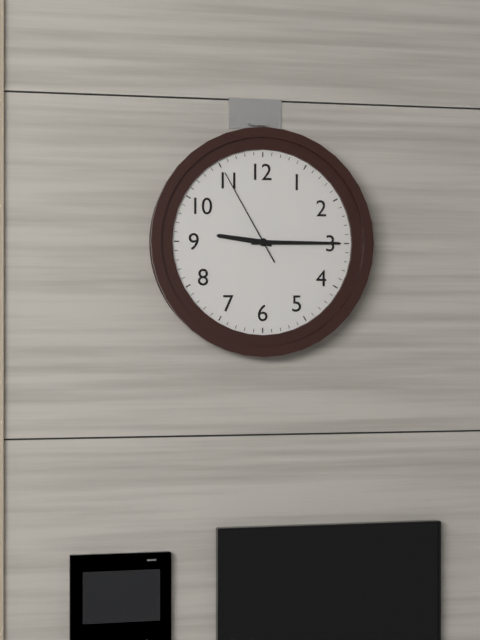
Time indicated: 9:15:55
